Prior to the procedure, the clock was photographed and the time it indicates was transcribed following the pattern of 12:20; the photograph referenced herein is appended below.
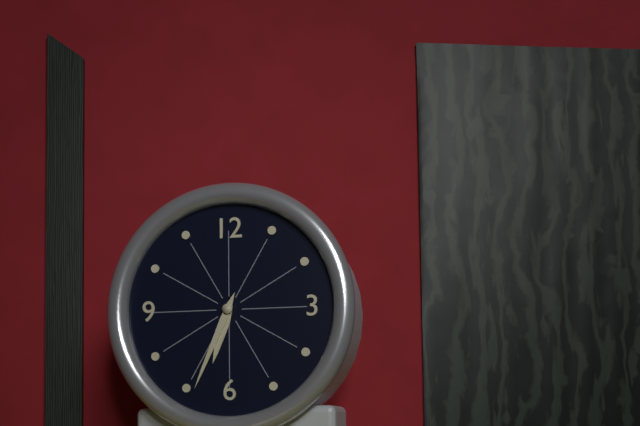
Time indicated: 6:34
